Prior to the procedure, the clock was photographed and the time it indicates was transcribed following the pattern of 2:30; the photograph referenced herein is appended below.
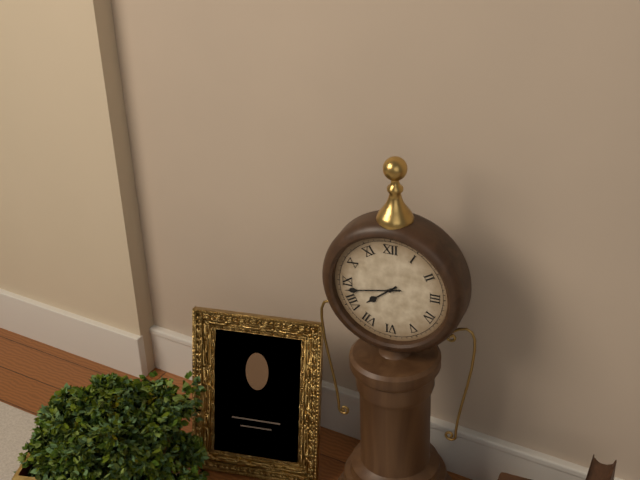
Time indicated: 7:43
